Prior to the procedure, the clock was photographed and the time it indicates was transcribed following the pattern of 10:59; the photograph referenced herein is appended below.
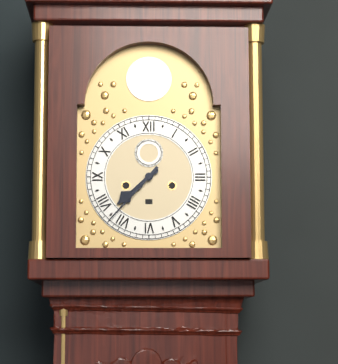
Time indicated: 7:37
